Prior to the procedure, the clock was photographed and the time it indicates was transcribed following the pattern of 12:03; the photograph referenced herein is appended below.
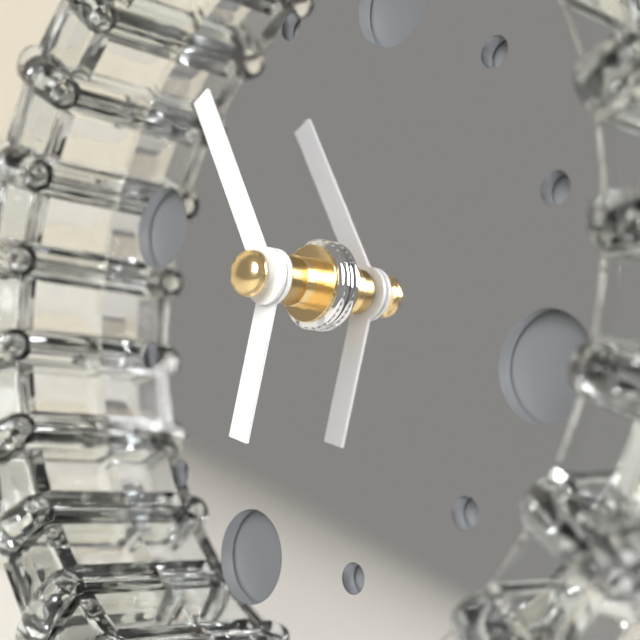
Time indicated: 5:52
